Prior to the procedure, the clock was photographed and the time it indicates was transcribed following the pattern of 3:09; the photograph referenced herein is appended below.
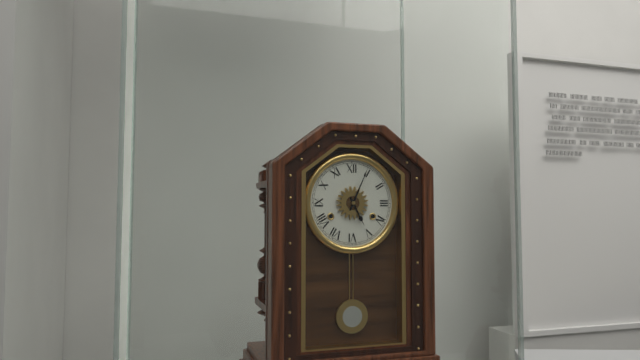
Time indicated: 5:04
